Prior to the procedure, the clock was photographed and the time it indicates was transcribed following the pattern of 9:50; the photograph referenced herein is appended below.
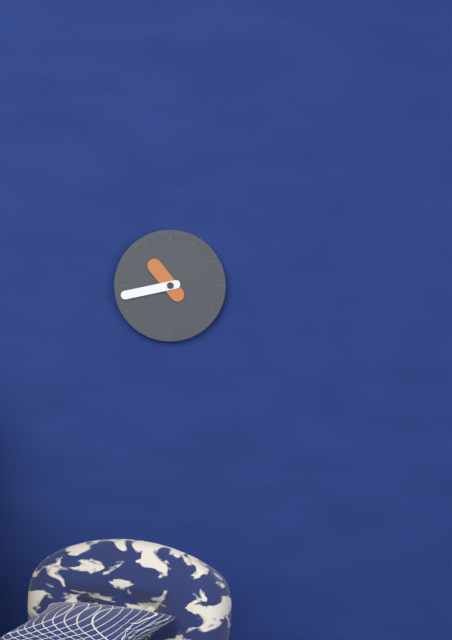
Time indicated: 10:43
